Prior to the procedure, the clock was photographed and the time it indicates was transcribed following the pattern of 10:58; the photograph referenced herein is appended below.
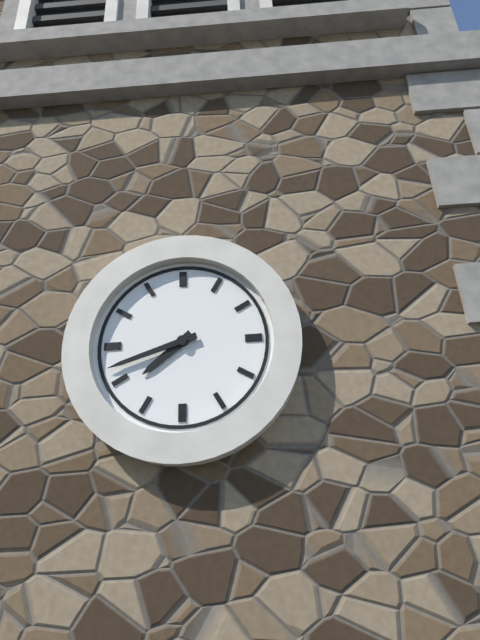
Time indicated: 7:42
